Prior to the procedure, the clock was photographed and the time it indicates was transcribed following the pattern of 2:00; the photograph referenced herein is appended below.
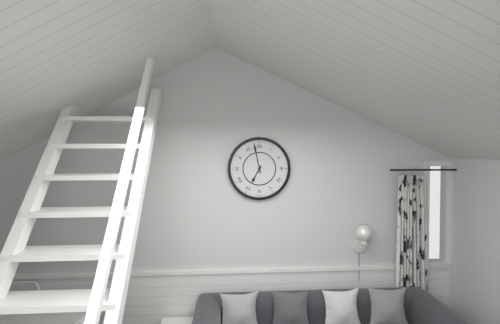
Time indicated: 6:58
